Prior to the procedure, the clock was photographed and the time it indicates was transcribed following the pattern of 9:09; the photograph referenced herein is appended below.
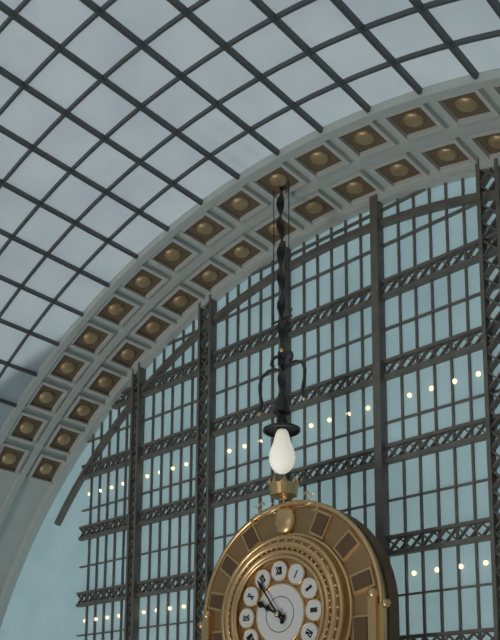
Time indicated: 9:54
